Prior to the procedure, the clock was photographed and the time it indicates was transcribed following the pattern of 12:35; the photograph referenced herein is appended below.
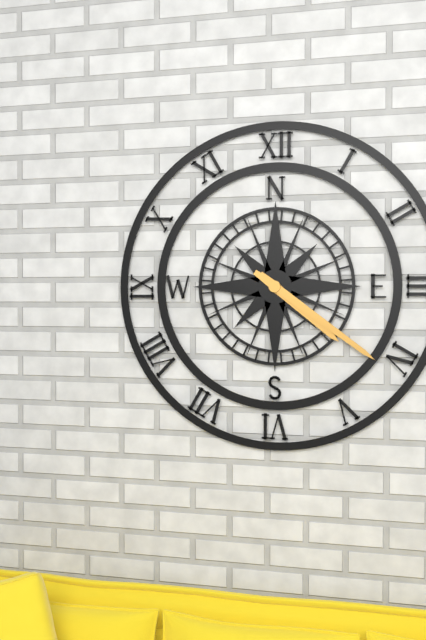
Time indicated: 4:21
